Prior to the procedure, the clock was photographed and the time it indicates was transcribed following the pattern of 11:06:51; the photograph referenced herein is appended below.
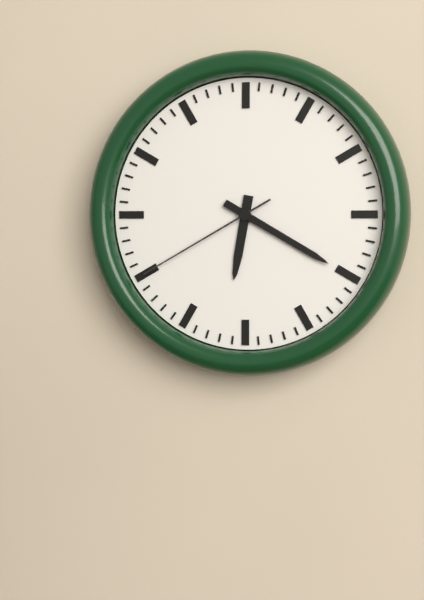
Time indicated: 6:20:40
